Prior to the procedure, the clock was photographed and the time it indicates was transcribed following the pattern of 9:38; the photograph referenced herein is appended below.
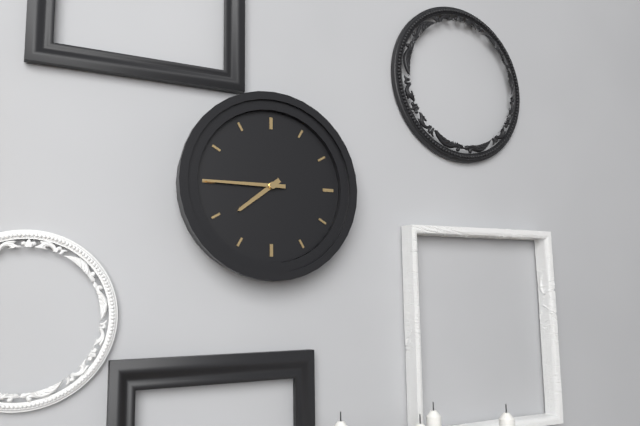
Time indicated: 7:45
